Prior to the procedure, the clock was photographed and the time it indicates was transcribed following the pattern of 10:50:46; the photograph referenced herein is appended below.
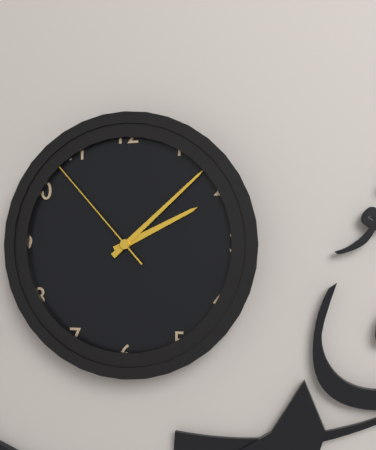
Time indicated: 2:08:53
